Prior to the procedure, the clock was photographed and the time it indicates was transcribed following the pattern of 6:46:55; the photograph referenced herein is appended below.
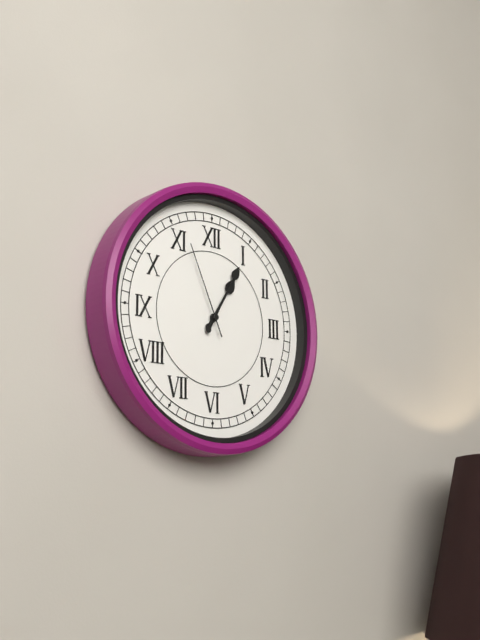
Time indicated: 1:05:56
